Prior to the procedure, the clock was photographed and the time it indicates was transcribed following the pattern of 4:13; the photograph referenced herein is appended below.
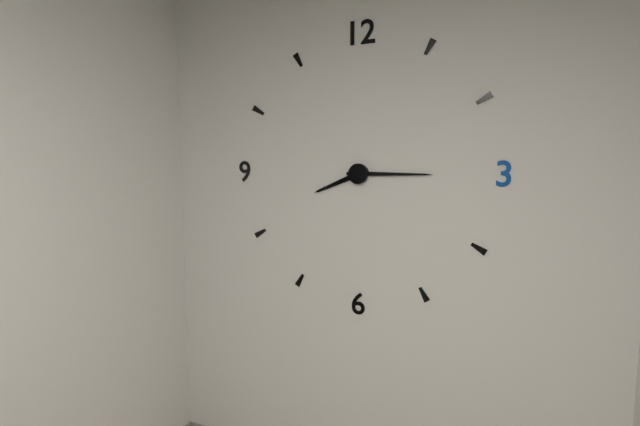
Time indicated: 8:15
